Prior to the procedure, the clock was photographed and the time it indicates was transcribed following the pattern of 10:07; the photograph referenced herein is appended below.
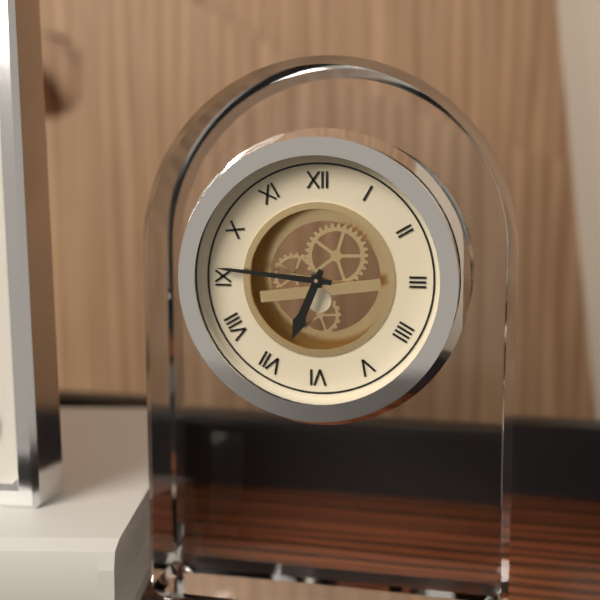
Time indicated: 6:46
